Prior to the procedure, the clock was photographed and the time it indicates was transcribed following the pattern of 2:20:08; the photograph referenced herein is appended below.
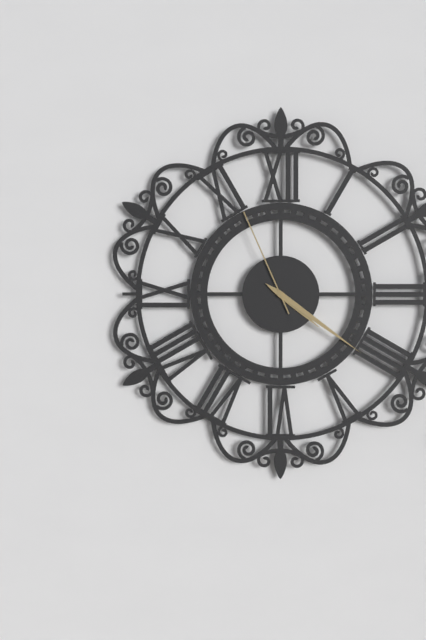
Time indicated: 4:21:56
